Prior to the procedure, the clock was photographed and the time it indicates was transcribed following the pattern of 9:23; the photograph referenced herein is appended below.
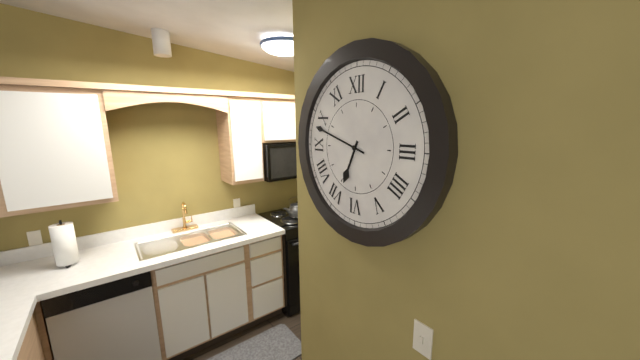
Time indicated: 6:48
